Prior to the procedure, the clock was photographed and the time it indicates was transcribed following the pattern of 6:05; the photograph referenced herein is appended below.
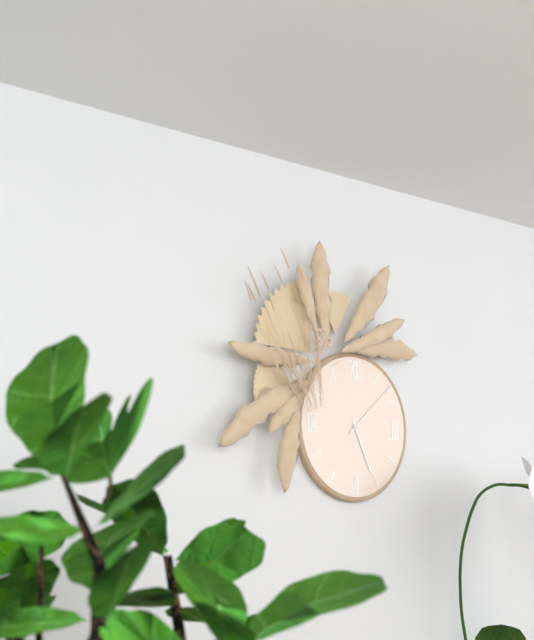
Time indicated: 5:08
